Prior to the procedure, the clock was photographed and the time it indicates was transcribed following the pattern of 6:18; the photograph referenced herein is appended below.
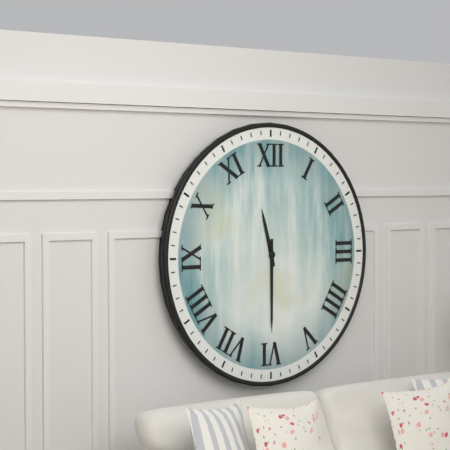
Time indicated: 11:30
